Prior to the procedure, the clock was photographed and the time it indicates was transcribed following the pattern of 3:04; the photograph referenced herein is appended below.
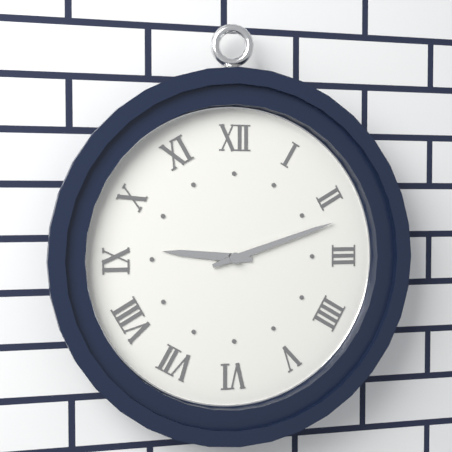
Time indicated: 9:12
